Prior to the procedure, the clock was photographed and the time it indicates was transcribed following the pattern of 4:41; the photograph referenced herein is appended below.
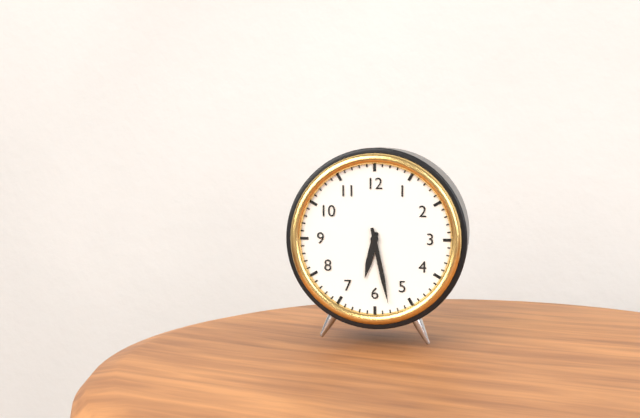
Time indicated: 6:28
